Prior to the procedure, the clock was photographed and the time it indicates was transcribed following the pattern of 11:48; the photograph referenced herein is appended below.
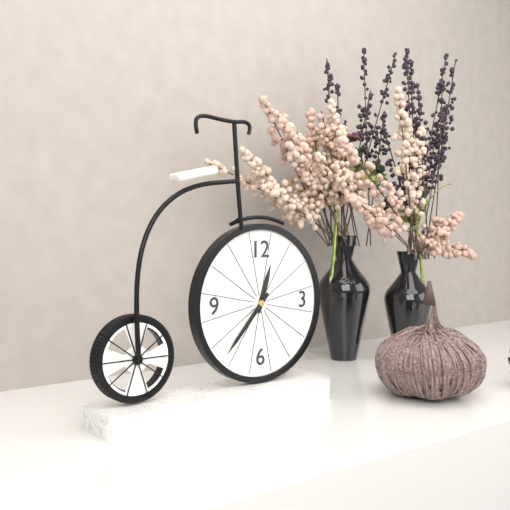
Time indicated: 12:37
